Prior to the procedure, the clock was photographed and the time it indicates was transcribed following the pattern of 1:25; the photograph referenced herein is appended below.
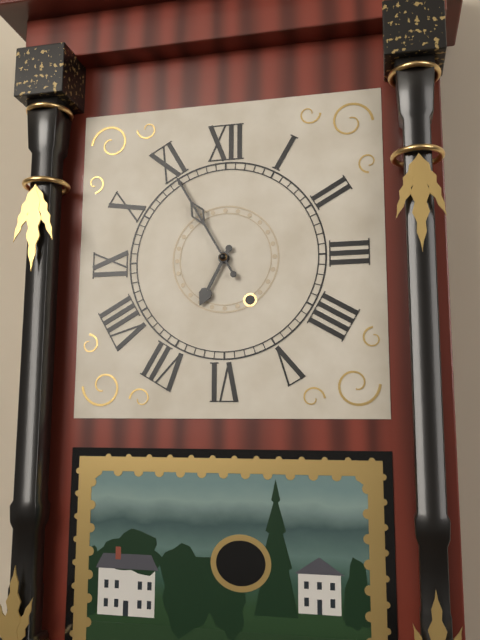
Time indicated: 6:55
